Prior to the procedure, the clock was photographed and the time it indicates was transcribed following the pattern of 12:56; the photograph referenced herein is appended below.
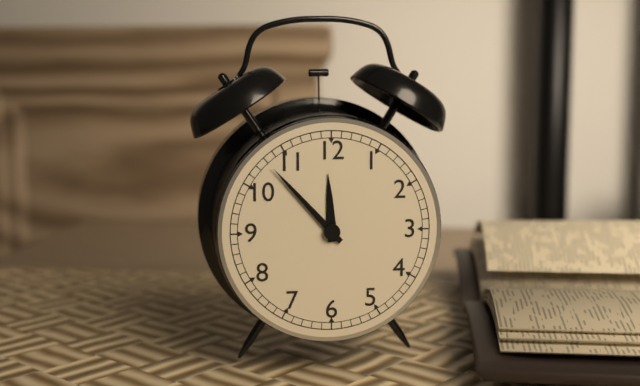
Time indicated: 11:53
